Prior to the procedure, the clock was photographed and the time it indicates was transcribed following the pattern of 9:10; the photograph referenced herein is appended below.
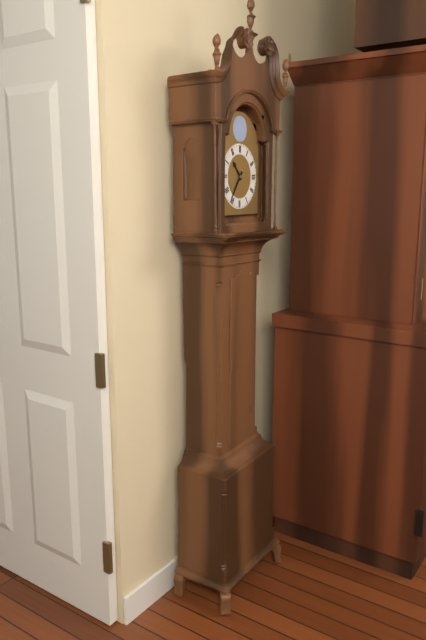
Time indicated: 10:36
